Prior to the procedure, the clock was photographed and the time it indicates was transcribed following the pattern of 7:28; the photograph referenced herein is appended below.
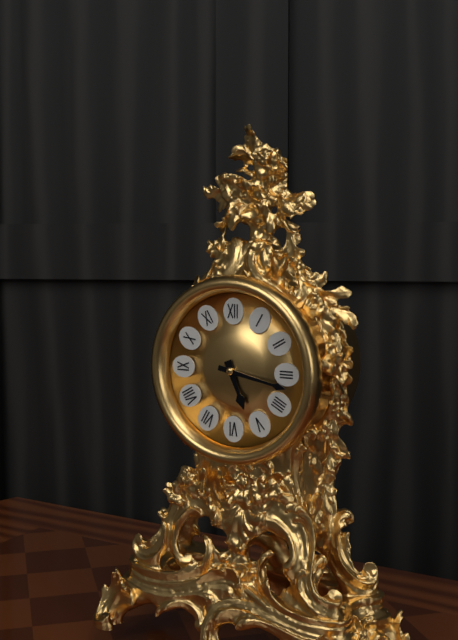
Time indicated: 5:17
